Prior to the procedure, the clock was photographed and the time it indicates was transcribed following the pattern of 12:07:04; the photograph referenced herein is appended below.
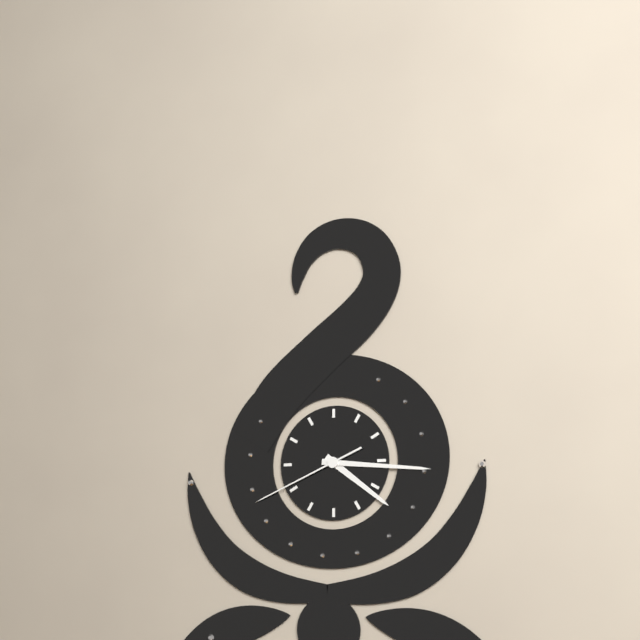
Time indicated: 4:16:41
